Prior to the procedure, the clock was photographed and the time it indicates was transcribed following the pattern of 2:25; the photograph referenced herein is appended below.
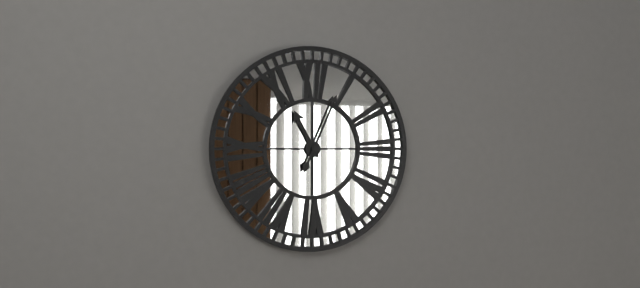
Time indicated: 11:04
